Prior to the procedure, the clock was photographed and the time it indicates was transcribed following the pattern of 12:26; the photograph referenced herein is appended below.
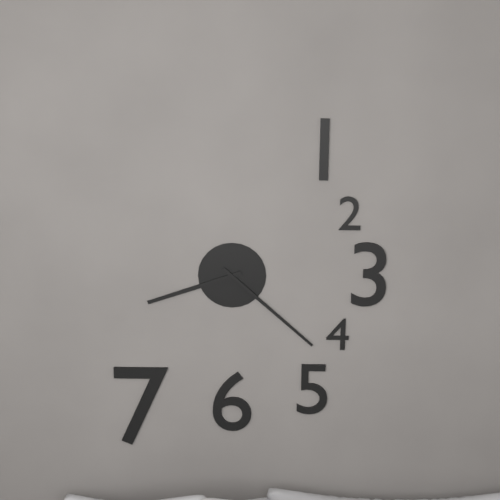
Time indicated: 8:22
